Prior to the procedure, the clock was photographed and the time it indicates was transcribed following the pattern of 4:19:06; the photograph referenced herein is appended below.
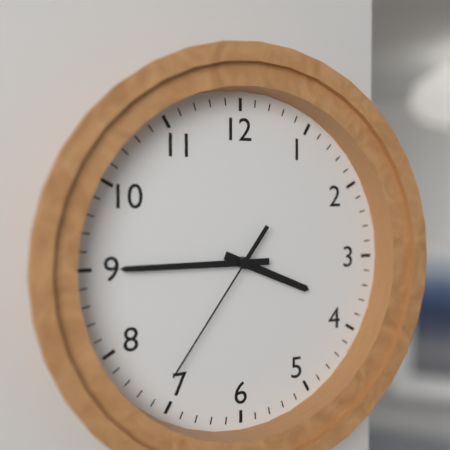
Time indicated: 3:45:36
